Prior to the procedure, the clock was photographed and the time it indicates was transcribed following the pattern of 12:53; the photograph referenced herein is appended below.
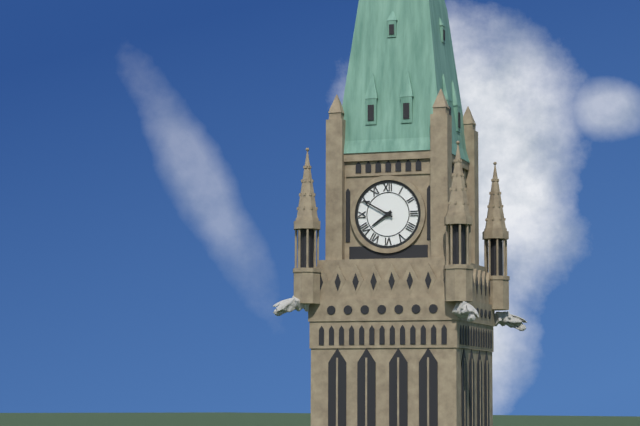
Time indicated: 7:50
